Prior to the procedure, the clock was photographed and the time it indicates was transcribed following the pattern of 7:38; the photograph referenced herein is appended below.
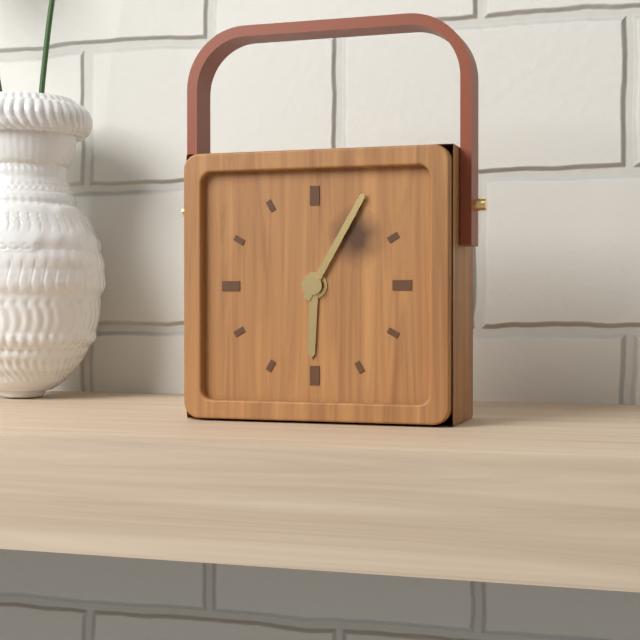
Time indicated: 6:05
